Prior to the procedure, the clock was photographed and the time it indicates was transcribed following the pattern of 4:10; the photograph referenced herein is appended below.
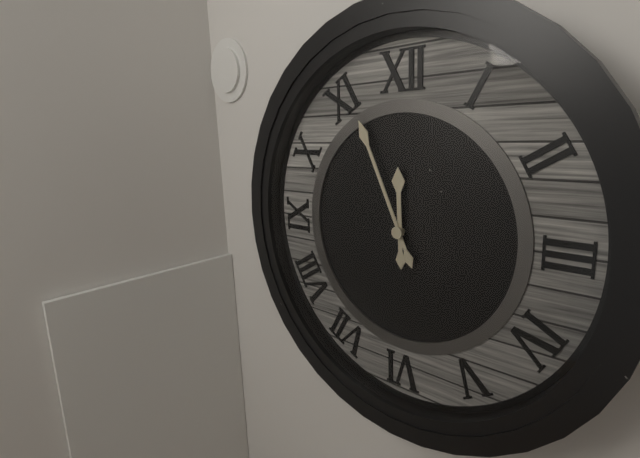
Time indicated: 11:56
